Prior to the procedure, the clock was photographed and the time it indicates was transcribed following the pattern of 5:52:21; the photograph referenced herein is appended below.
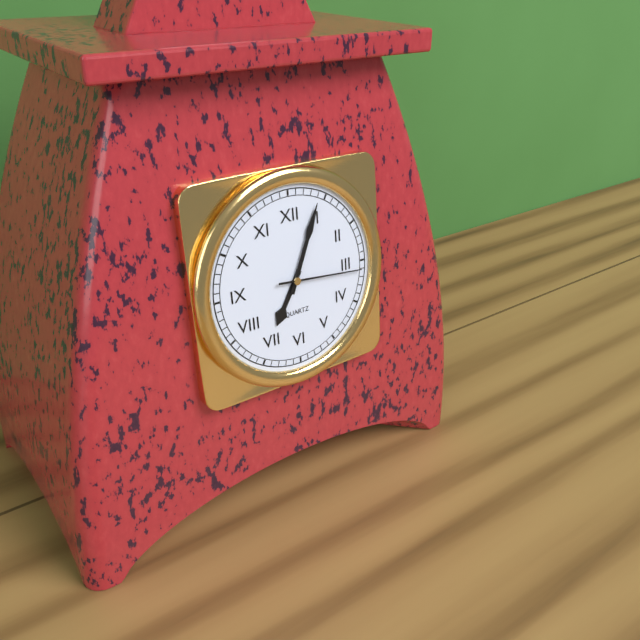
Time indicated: 7:04:16
